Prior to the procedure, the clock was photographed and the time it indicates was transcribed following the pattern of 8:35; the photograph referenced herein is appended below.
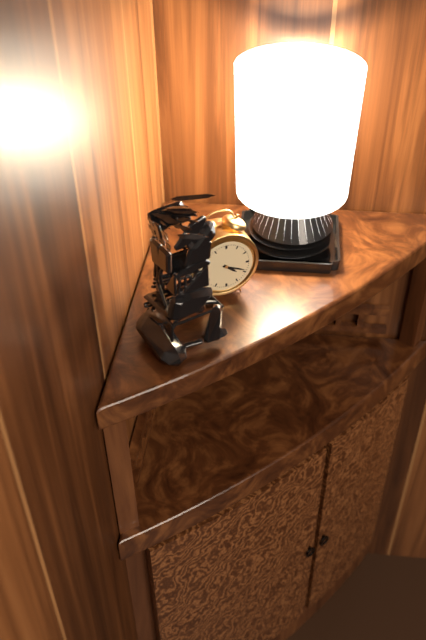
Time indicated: 4:19
